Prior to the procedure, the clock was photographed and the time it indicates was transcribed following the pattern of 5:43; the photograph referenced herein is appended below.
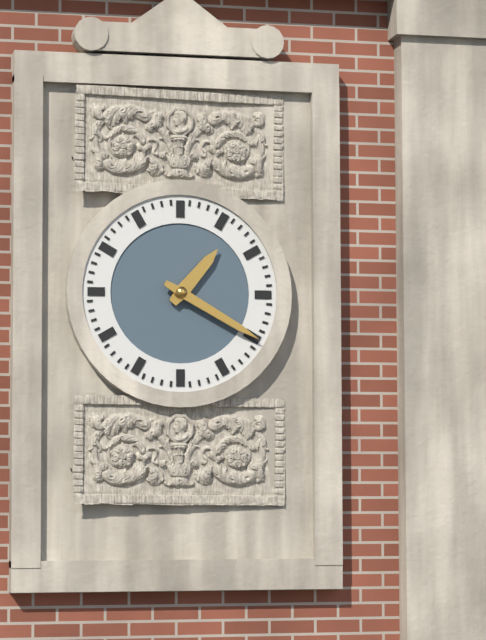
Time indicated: 1:20
